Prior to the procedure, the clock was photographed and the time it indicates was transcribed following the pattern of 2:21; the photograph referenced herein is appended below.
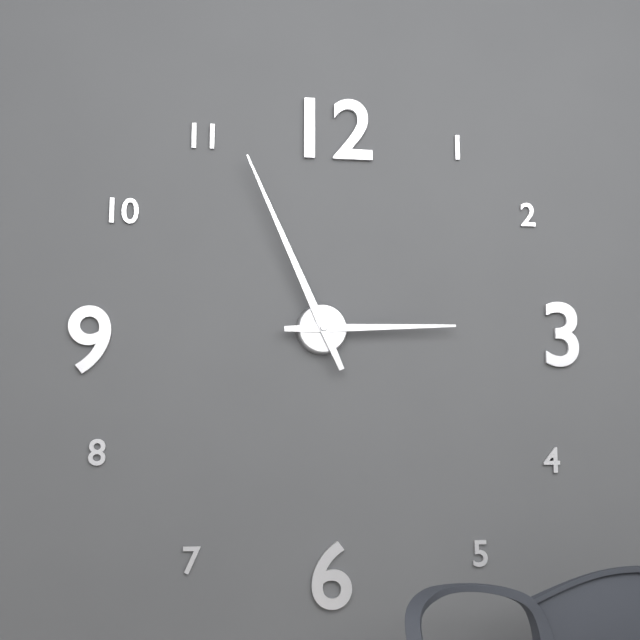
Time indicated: 2:56
